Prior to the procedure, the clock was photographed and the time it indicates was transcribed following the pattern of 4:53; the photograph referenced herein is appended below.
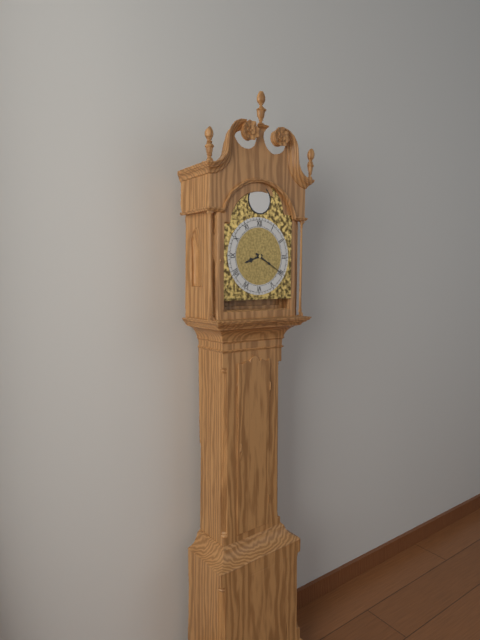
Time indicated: 8:20
